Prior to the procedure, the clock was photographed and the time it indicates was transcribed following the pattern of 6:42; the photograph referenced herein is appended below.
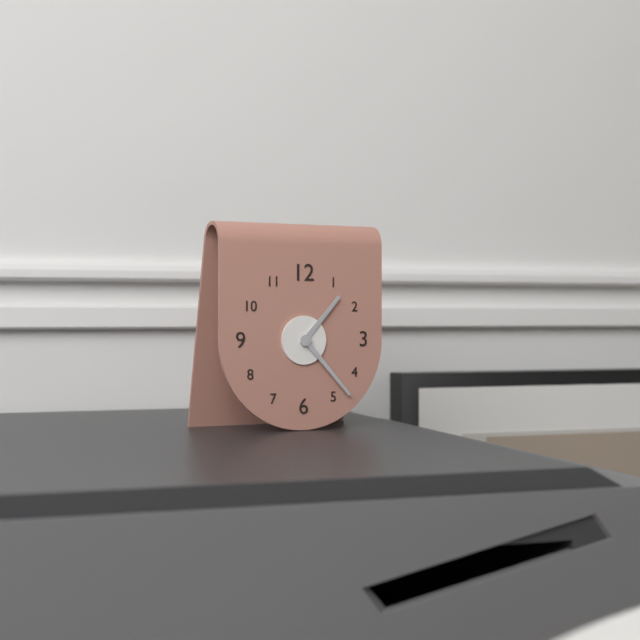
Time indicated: 1:23
